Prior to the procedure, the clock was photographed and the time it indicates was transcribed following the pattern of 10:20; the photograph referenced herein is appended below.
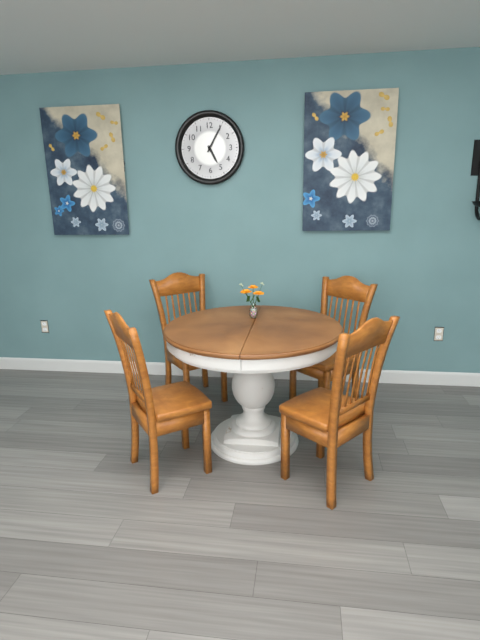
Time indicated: 5:05
